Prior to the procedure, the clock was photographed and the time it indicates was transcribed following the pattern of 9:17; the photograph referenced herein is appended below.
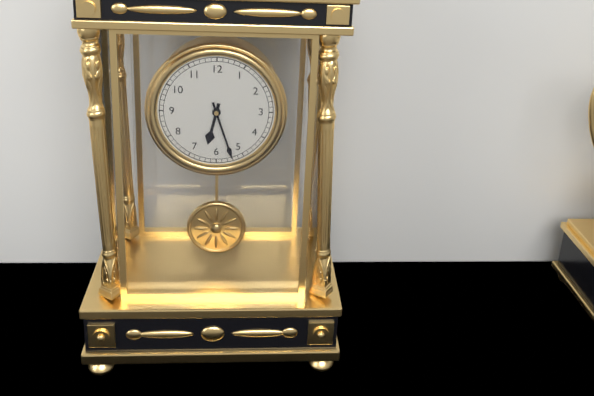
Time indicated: 6:27
